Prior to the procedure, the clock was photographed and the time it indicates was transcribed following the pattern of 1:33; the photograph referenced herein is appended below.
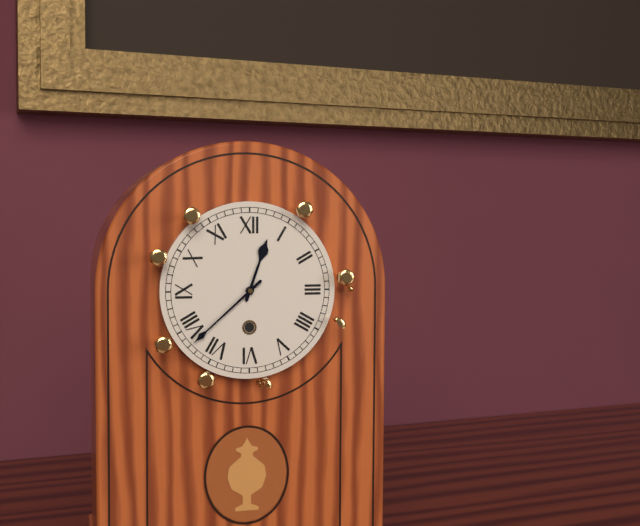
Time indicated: 12:38
